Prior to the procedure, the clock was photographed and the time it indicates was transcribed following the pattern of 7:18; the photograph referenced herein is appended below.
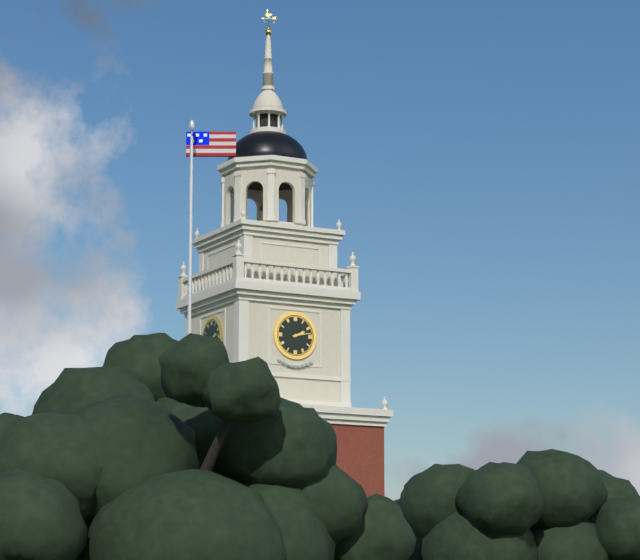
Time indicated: 2:13
